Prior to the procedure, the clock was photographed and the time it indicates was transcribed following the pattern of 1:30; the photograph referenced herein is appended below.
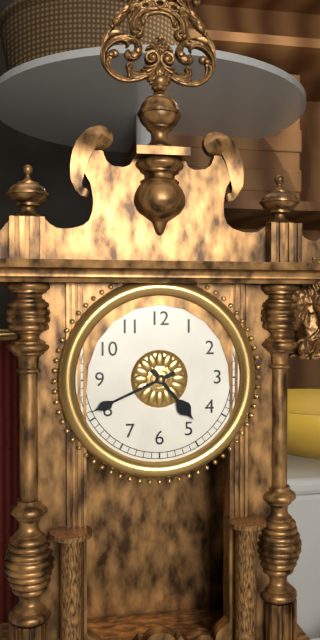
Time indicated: 4:41
